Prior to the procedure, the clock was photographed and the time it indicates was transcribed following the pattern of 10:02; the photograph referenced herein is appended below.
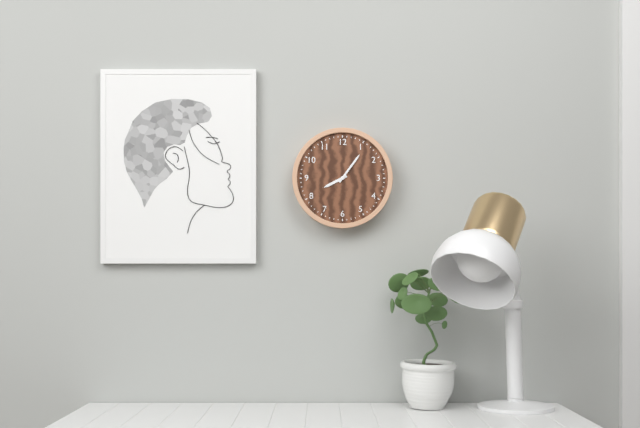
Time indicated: 8:06
